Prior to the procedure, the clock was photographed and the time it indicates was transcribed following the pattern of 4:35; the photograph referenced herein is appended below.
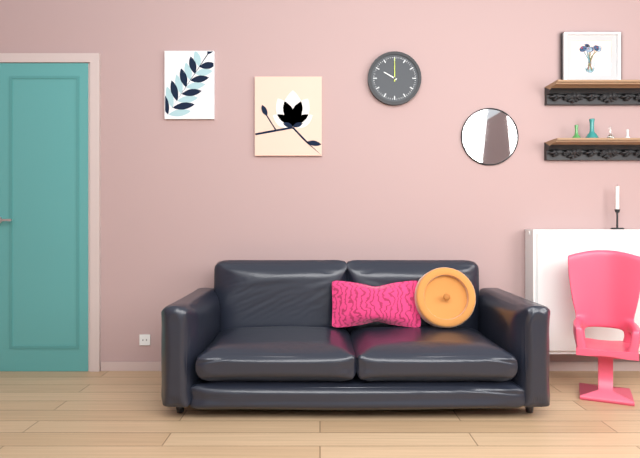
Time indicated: 10:00
